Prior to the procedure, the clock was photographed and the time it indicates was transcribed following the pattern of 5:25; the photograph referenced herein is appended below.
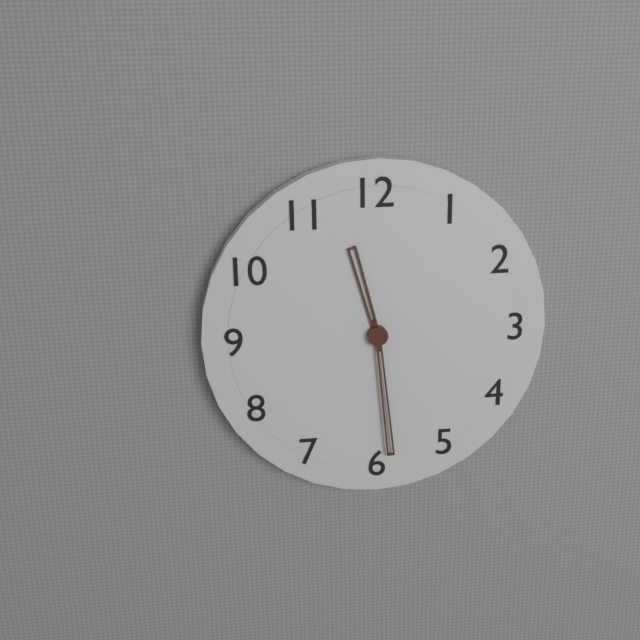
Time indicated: 11:29
